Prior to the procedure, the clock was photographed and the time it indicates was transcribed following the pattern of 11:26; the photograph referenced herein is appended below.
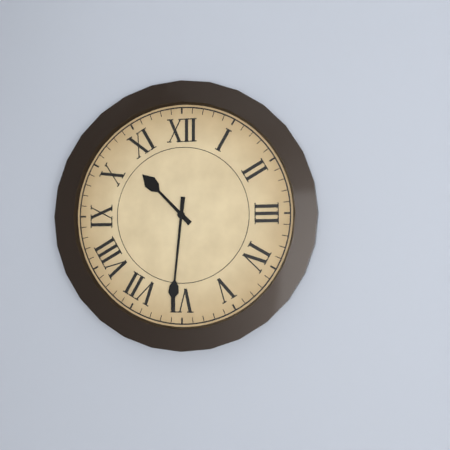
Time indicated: 10:31
